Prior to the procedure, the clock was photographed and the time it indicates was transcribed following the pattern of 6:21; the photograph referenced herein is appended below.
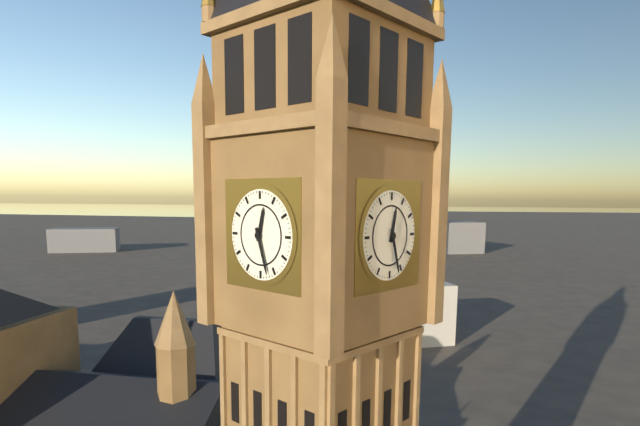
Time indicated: 12:27
